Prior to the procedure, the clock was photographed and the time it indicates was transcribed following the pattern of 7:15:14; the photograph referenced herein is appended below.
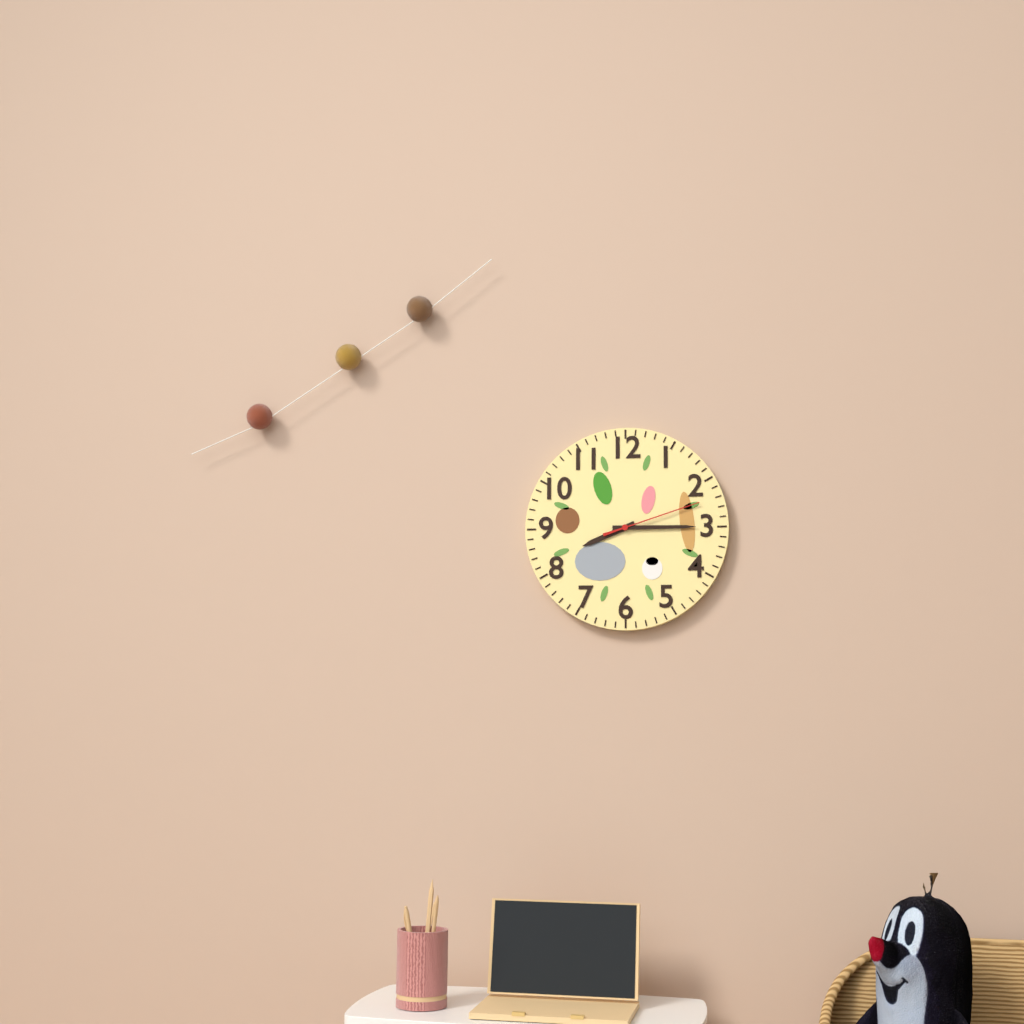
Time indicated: 8:15:12
